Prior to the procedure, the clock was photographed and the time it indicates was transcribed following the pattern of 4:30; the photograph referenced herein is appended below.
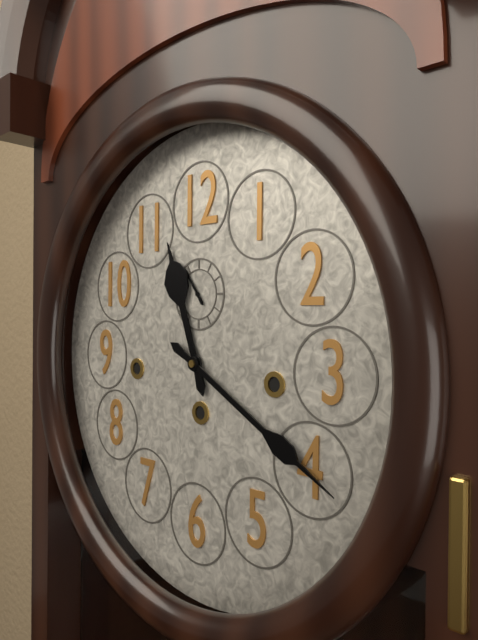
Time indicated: 11:20
